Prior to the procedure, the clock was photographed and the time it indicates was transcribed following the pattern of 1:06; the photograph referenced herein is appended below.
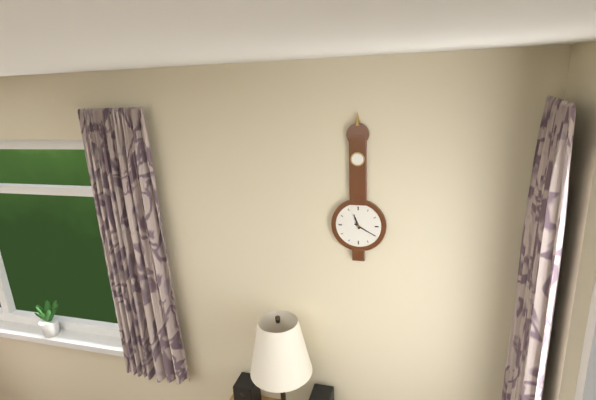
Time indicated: 11:20
